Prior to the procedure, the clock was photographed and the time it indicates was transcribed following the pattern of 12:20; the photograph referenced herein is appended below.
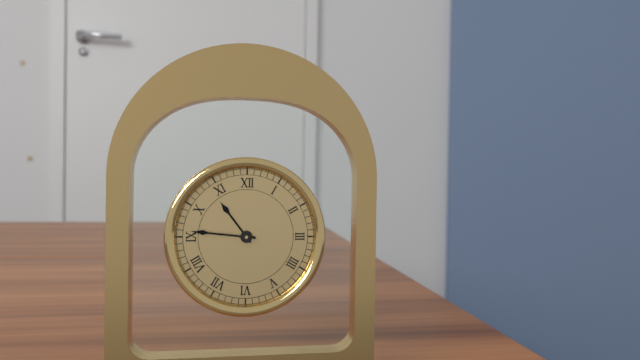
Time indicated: 10:46
